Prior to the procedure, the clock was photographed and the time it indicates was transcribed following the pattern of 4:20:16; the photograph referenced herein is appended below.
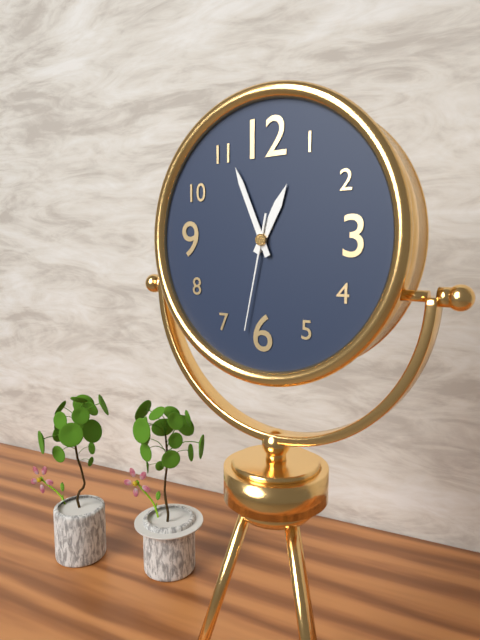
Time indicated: 12:56:32
